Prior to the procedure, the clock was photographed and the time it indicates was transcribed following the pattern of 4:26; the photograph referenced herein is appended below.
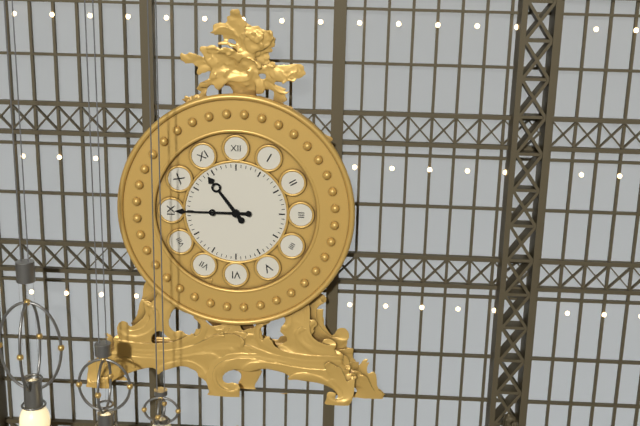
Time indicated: 10:45
